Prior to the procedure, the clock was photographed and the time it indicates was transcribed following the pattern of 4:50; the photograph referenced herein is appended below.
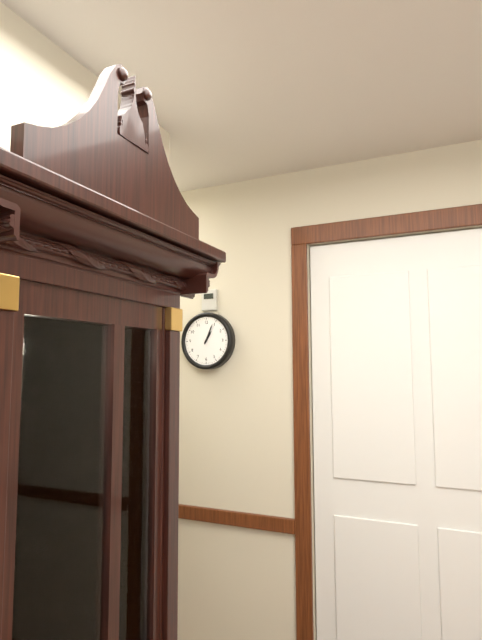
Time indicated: 1:04
